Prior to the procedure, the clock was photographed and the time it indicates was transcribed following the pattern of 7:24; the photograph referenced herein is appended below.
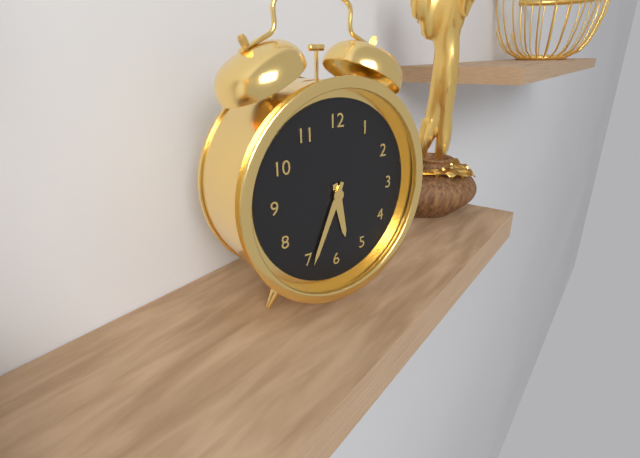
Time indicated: 5:34
